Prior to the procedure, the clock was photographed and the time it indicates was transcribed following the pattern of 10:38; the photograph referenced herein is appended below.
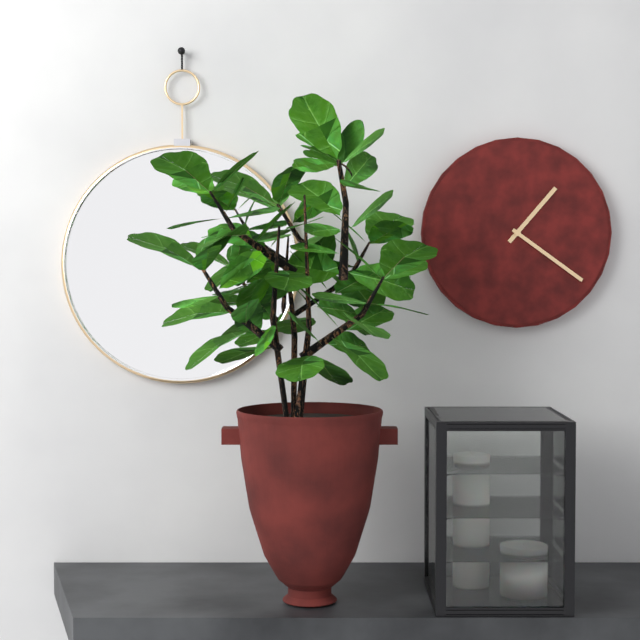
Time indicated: 1:21
